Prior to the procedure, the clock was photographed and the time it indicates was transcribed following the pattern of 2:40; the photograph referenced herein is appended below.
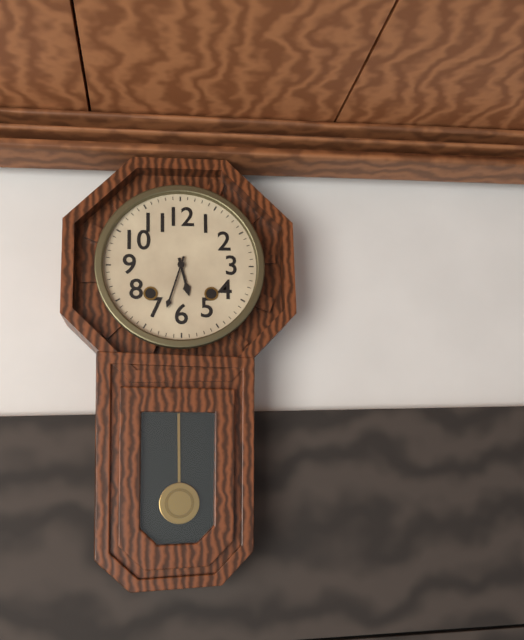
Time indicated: 5:33
